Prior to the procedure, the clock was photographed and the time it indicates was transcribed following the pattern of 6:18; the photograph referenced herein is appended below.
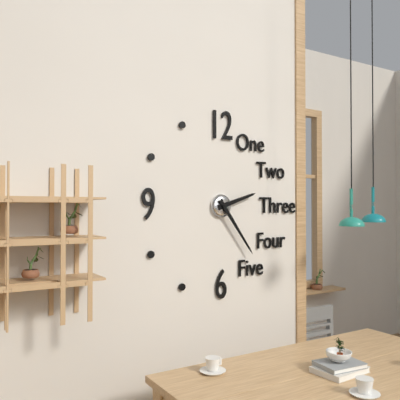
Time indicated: 2:24
